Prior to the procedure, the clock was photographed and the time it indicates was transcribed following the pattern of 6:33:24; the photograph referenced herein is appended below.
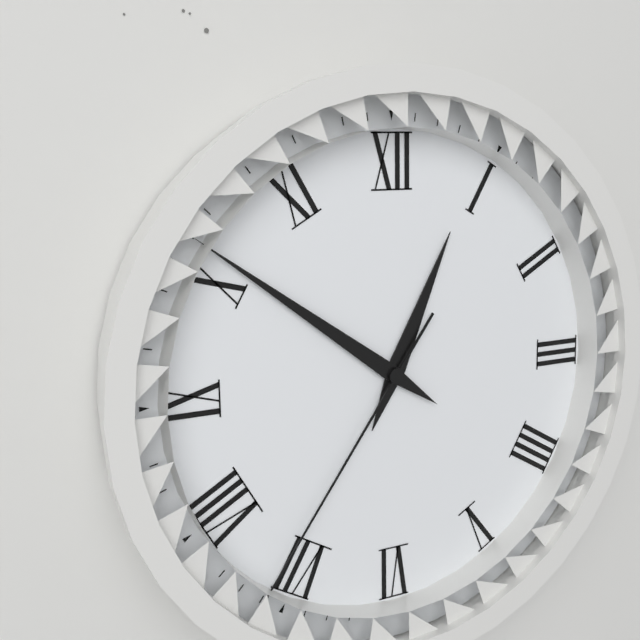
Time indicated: 12:51:36
